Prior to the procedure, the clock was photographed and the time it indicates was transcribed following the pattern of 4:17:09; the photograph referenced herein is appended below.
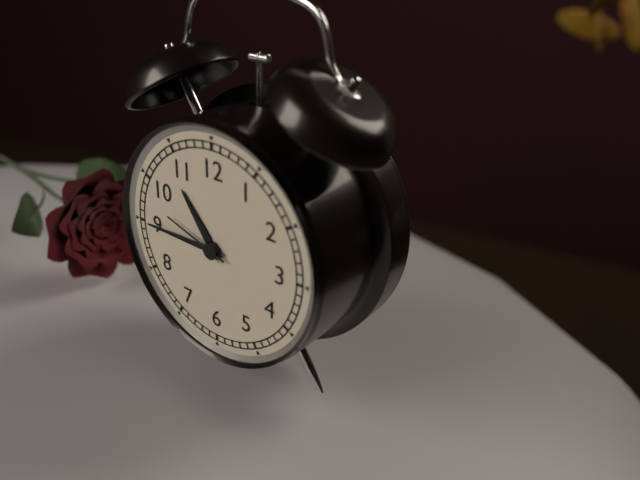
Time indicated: 10:45:48
